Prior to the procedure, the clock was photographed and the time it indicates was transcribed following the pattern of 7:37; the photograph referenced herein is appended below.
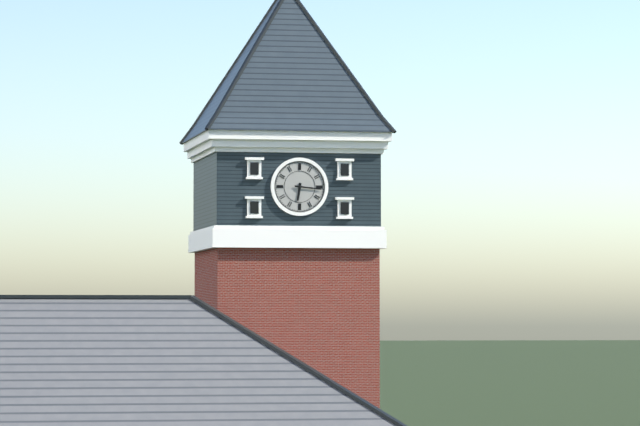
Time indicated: 6:16
